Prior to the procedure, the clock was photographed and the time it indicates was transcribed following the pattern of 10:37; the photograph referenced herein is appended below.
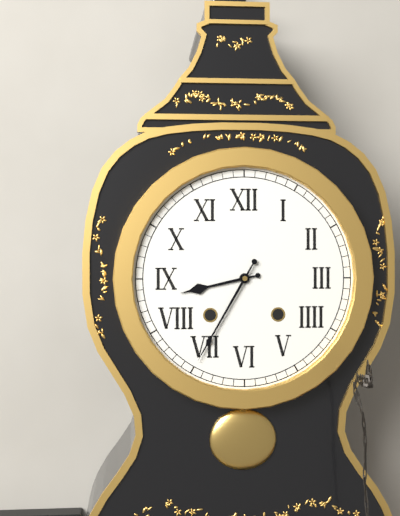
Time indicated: 8:35
